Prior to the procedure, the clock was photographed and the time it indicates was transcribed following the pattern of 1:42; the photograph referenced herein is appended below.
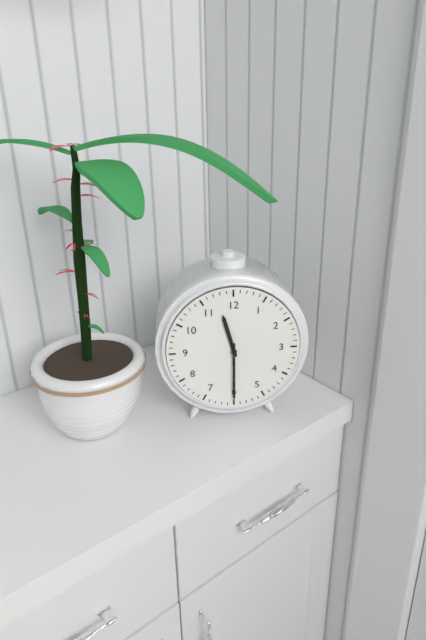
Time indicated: 11:30
